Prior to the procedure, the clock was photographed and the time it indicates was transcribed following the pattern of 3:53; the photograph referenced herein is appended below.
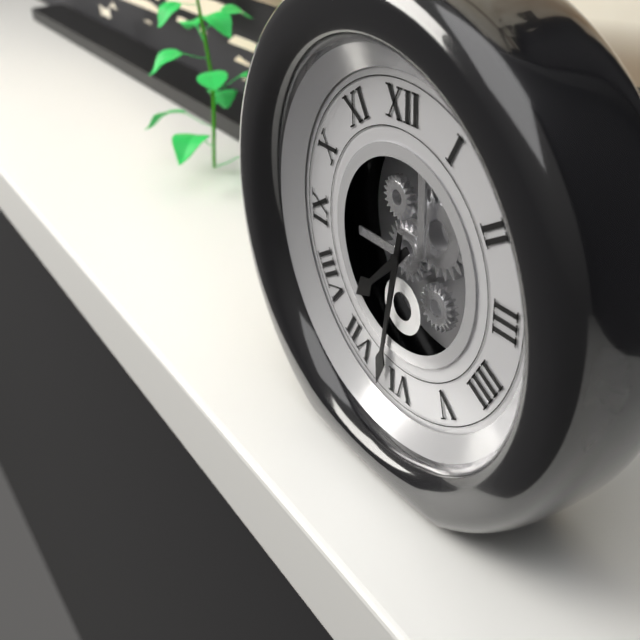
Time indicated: 7:32
